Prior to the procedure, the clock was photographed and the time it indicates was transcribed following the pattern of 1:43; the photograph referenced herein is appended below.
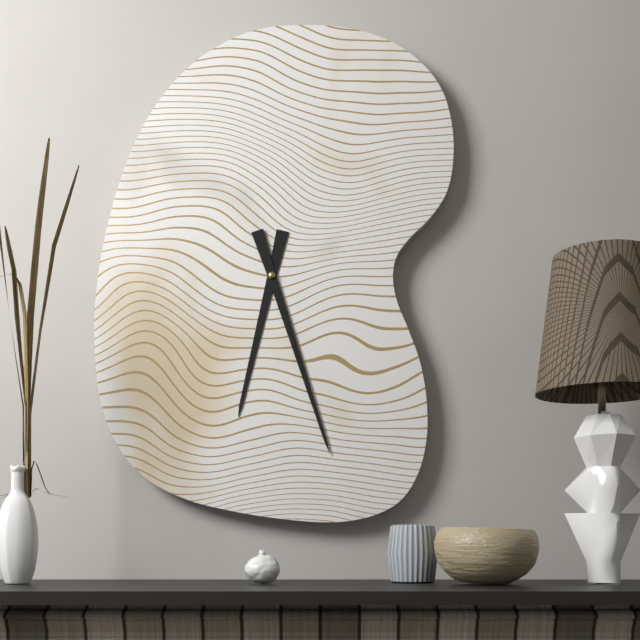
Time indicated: 6:27
